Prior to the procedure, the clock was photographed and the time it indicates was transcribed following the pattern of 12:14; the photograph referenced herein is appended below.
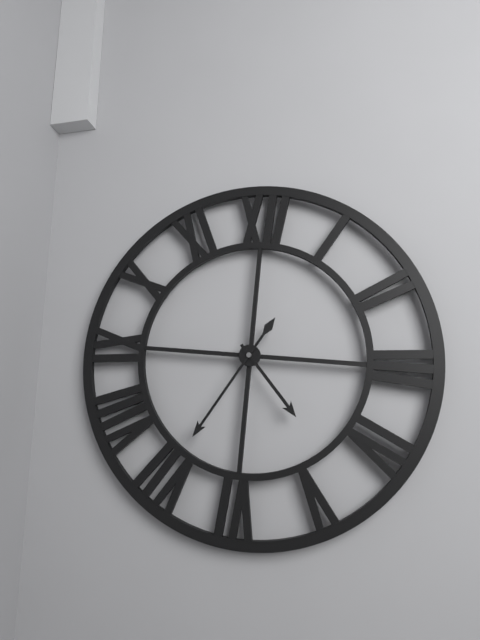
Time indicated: 4:35
